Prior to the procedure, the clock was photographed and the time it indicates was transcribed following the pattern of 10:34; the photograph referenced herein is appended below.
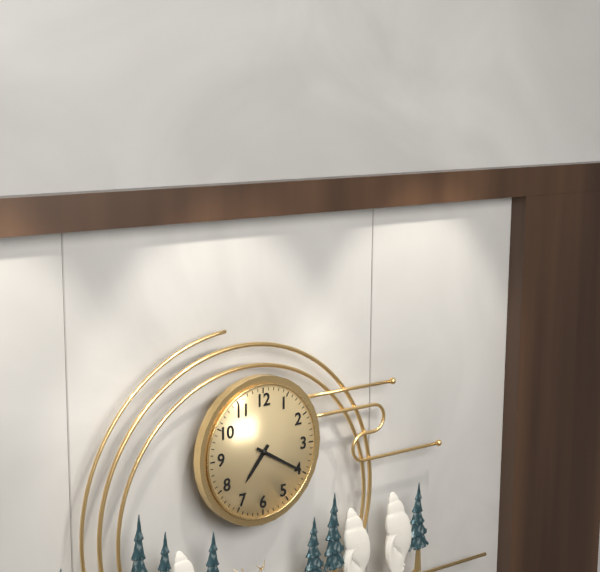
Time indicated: 7:20
